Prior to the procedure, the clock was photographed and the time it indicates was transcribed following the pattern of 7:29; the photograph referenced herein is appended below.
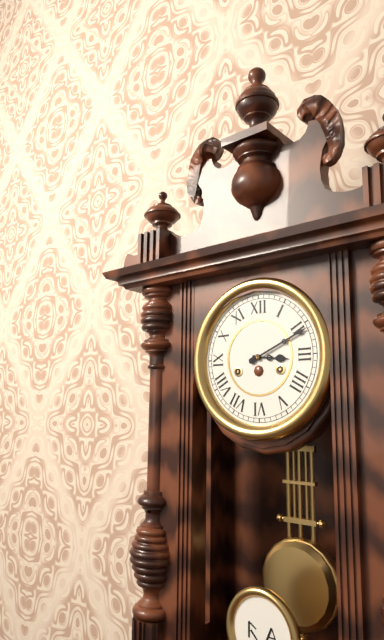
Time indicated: 3:11
